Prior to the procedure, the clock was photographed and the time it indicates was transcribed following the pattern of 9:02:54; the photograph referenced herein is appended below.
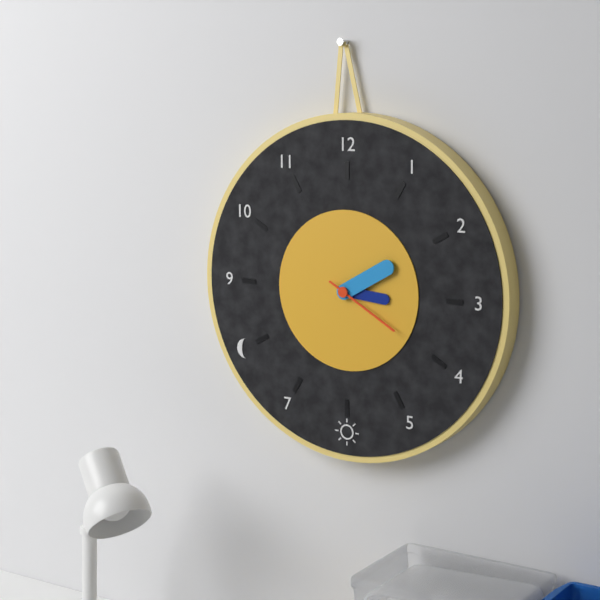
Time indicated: 3:10:20
